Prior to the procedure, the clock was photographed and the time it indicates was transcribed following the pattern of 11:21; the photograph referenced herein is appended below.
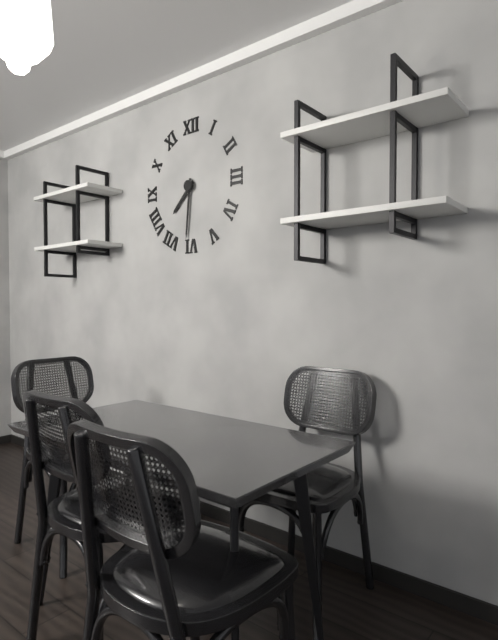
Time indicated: 7:31
